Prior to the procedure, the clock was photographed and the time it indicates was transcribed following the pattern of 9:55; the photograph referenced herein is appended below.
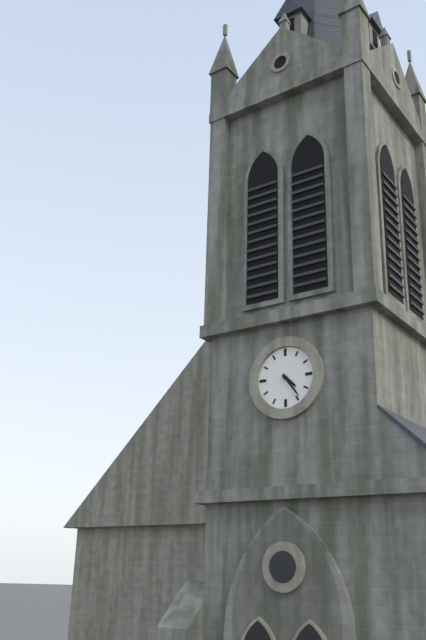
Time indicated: 4:24
